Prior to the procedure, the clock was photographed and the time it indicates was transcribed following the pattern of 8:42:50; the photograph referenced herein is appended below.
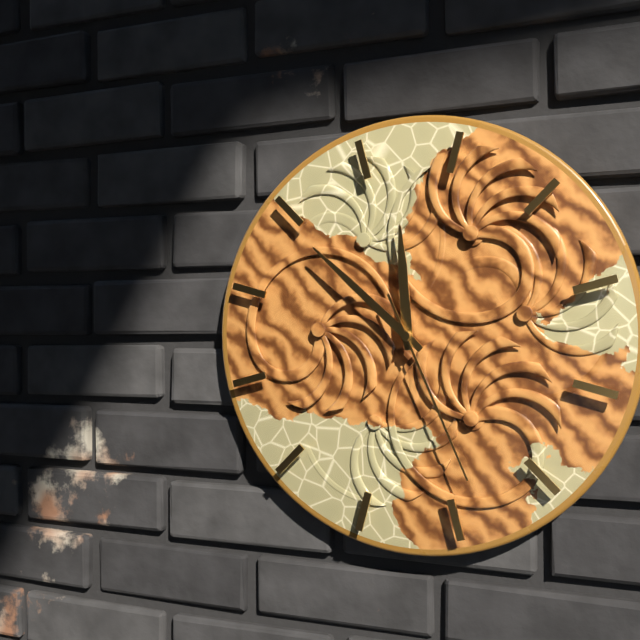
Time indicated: 11:52:26
